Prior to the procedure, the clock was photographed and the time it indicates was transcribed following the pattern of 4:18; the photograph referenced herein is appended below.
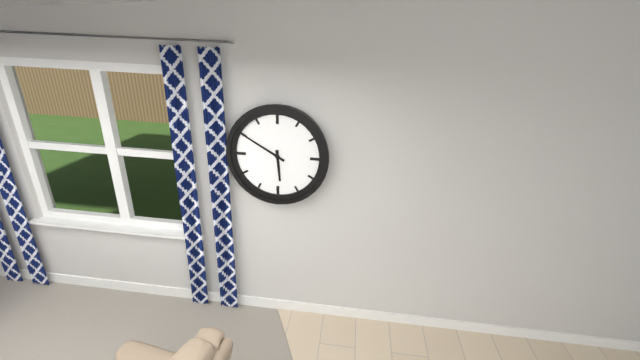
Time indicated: 5:50
